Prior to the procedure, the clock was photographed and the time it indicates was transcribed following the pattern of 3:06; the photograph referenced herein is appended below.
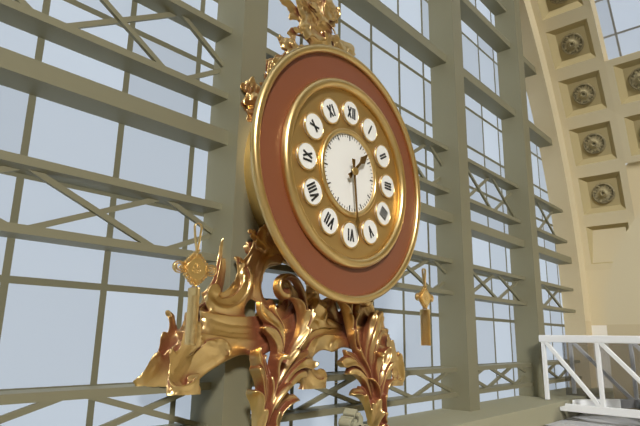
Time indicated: 1:29
